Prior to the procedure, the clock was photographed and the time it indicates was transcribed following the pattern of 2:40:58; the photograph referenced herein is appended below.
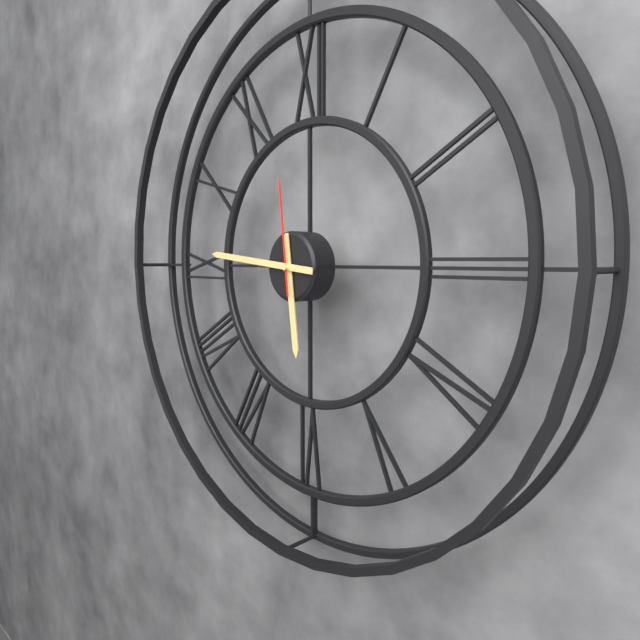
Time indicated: 5:46:59
